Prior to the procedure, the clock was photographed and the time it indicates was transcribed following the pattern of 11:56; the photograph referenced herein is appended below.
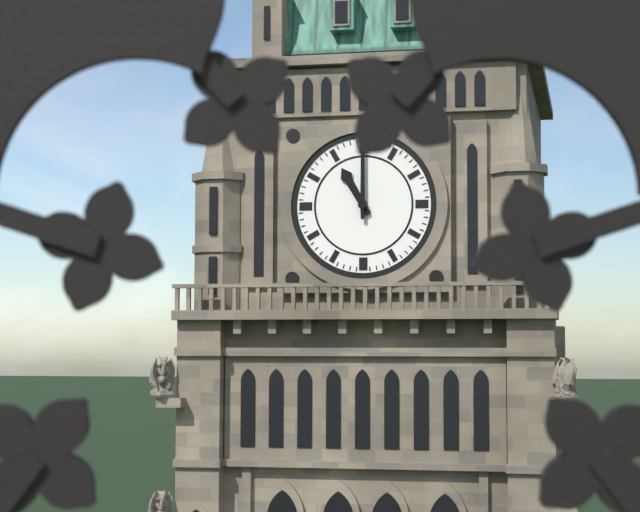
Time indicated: 11:00
